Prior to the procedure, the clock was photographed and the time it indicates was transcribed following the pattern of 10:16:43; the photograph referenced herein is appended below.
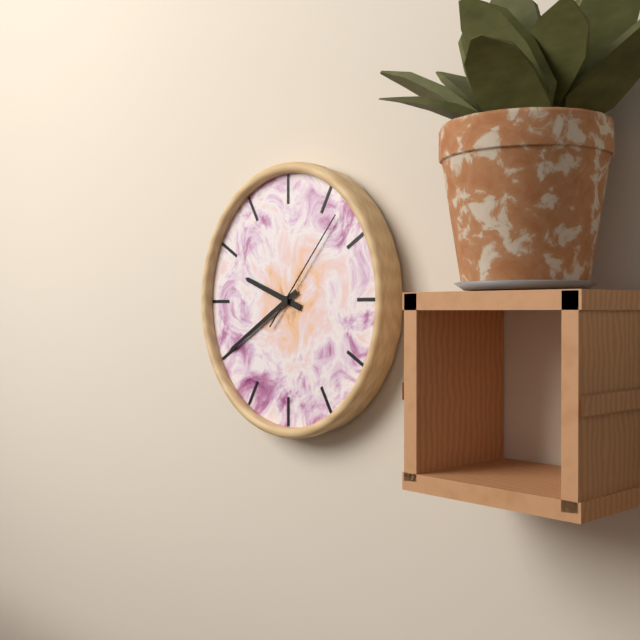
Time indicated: 9:40:07
